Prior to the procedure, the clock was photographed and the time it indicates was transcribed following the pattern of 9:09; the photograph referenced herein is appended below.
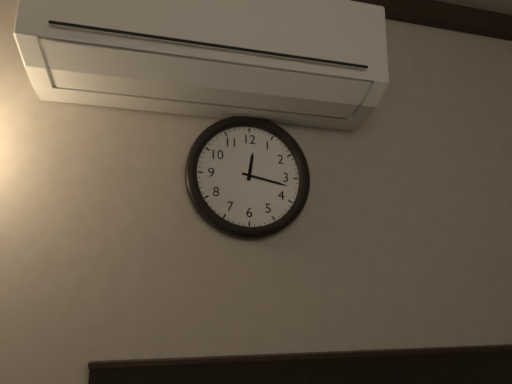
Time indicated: 12:17
